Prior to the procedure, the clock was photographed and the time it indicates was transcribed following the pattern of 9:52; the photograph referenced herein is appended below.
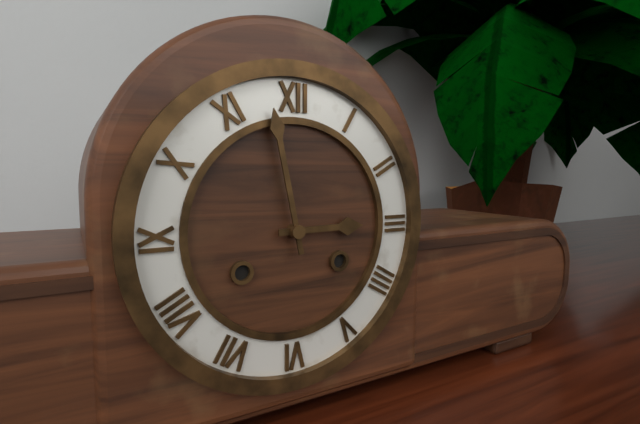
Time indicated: 2:58
